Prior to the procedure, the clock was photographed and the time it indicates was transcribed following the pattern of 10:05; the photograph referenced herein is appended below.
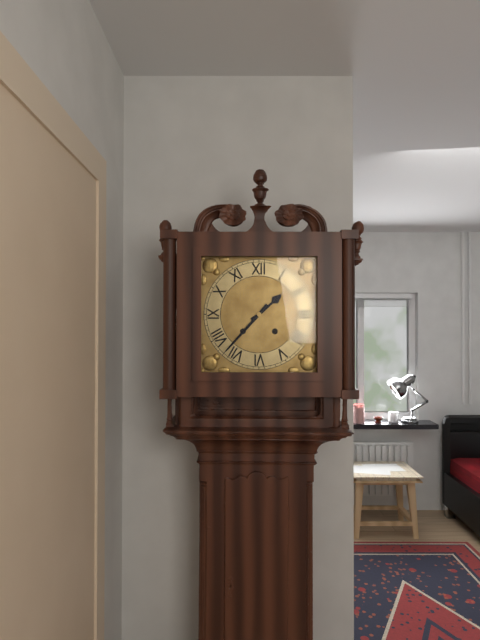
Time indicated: 1:37
